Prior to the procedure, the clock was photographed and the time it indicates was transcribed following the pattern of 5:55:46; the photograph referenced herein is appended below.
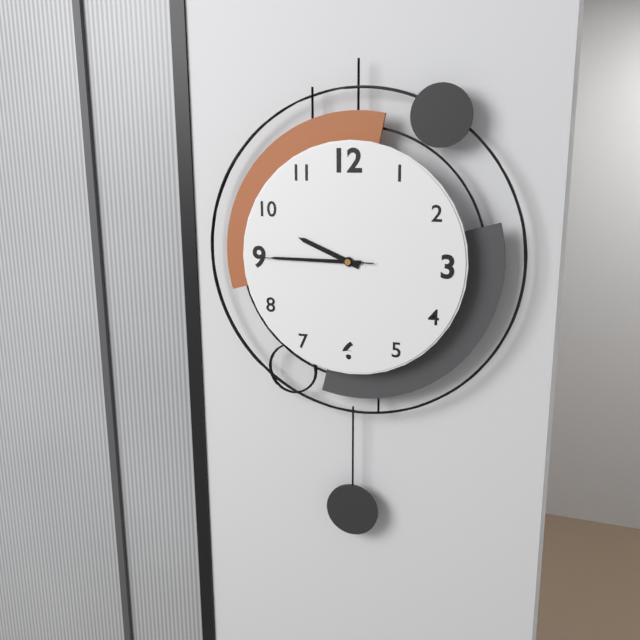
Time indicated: 9:45:45
